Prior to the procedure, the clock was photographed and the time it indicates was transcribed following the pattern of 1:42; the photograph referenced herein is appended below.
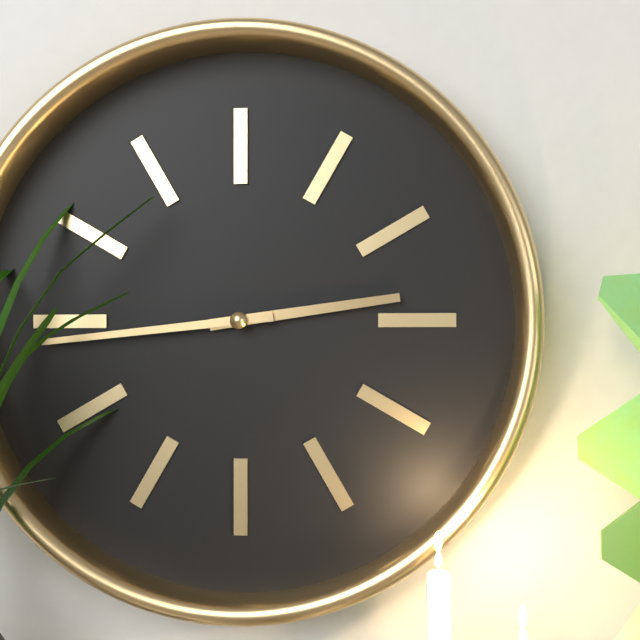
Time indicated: 2:44
